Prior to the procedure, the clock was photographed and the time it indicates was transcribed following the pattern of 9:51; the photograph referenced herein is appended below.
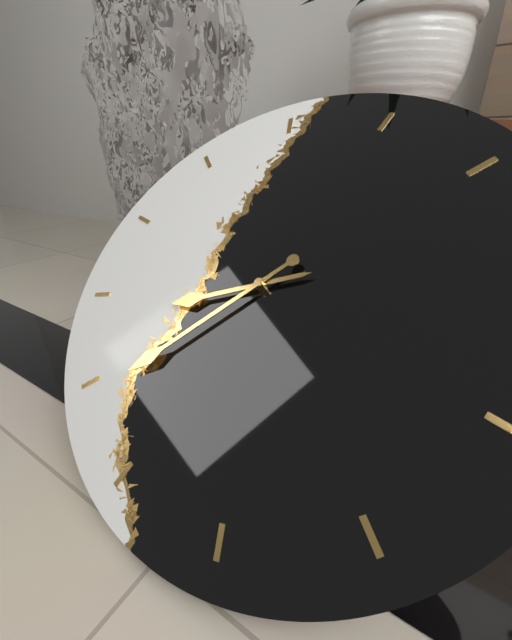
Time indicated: 8:39
